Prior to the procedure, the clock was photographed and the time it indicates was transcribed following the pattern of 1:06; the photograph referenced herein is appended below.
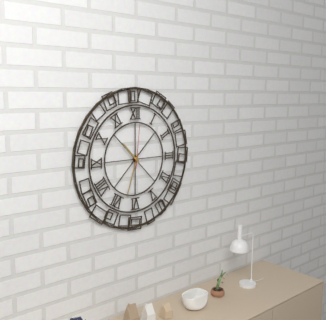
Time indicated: 10:33
